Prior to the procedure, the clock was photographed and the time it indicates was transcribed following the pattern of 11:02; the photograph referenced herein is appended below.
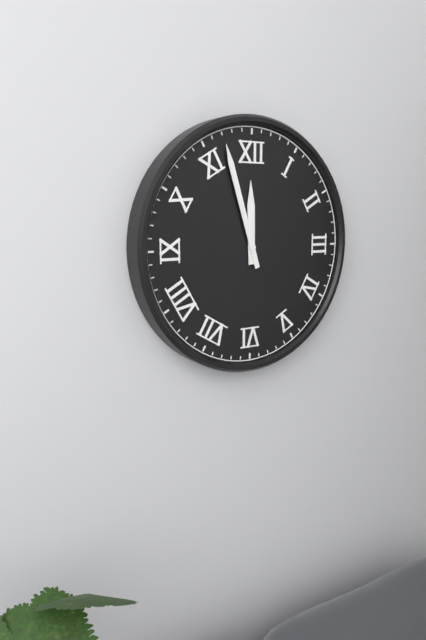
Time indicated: 11:57
